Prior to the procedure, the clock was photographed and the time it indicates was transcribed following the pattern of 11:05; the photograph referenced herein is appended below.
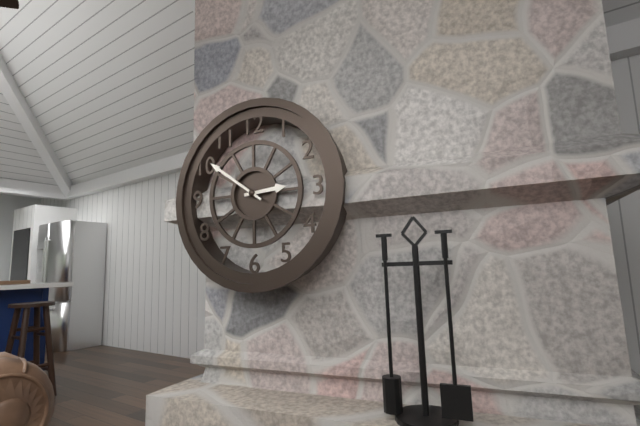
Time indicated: 2:51
